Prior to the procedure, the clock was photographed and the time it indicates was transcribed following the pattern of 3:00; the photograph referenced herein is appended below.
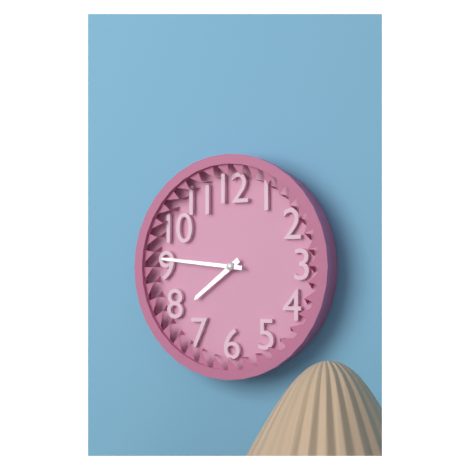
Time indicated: 7:46
